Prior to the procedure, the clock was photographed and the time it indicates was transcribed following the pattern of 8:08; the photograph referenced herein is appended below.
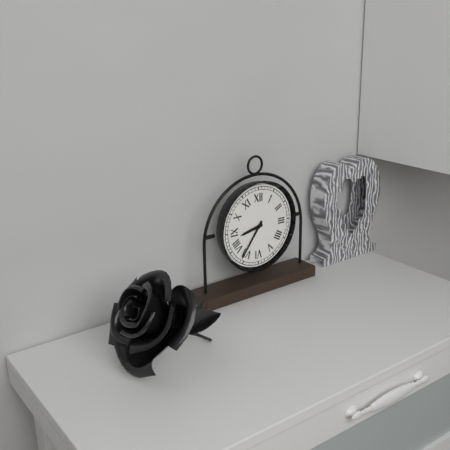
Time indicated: 8:36
